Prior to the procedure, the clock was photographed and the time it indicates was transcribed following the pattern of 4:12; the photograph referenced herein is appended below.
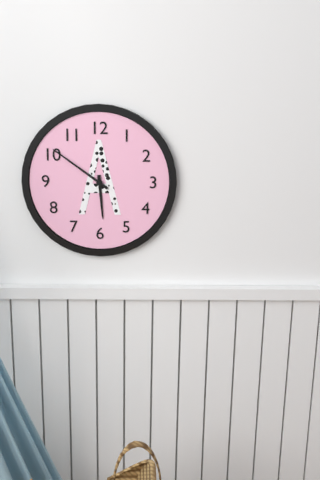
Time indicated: 5:51
